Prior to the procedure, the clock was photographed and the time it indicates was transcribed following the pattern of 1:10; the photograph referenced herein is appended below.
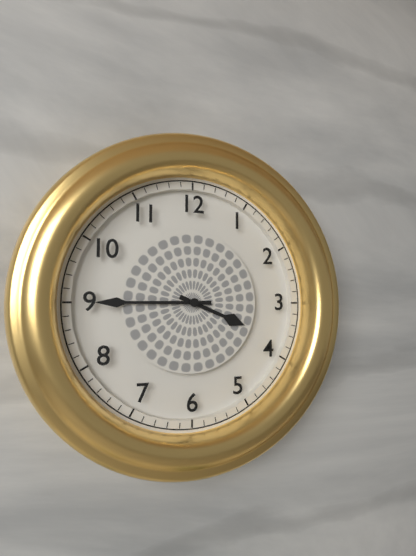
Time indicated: 3:45
